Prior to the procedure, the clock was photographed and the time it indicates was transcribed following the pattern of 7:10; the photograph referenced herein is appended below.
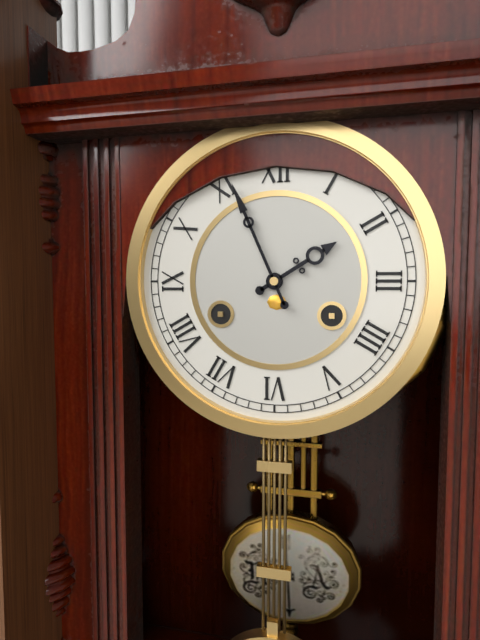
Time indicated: 1:56
